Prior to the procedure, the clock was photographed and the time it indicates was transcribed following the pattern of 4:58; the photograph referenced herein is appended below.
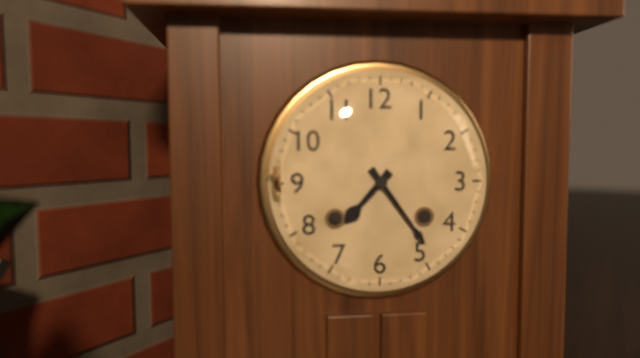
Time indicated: 7:24
